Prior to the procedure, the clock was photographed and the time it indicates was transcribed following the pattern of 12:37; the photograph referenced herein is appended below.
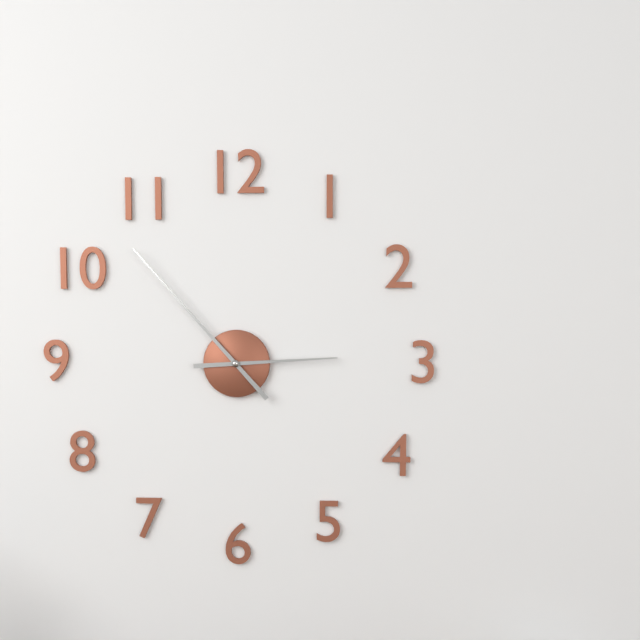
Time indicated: 2:53
